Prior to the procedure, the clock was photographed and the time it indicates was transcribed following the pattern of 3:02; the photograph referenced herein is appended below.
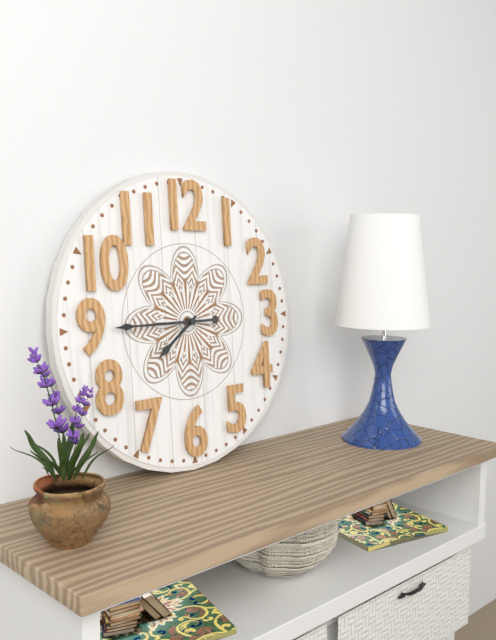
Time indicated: 7:45
